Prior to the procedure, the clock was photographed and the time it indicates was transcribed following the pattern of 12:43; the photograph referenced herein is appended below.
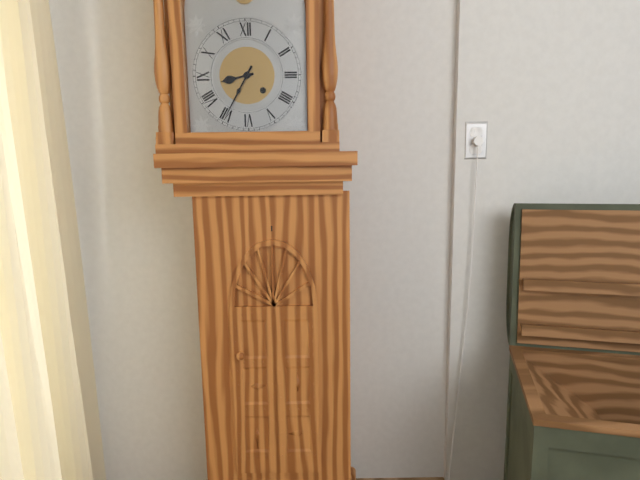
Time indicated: 8:35
